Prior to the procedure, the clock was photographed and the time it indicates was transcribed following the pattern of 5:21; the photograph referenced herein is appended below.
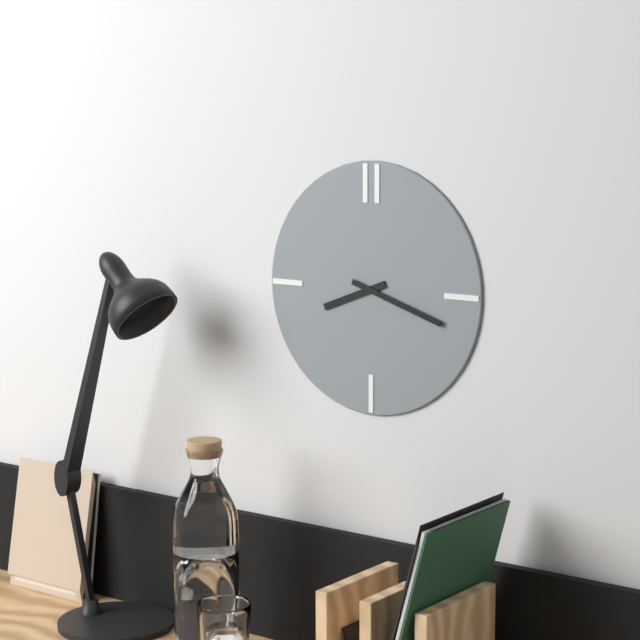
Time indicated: 8:18
